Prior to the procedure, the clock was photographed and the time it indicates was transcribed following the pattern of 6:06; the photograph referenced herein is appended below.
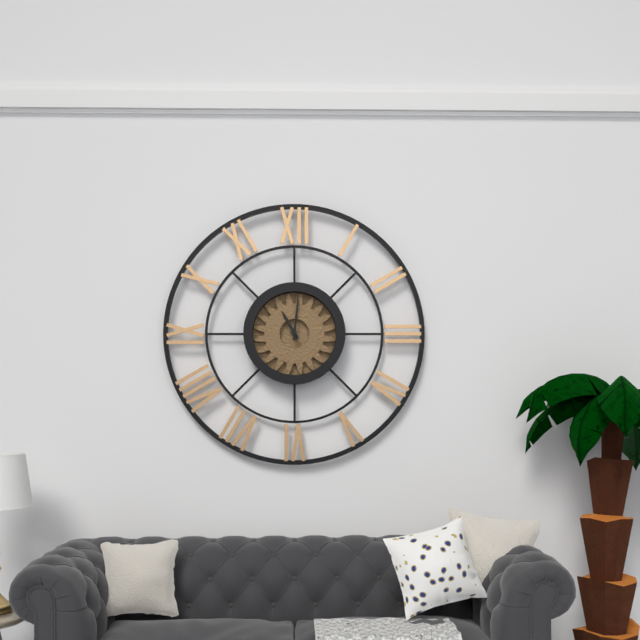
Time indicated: 11:01
